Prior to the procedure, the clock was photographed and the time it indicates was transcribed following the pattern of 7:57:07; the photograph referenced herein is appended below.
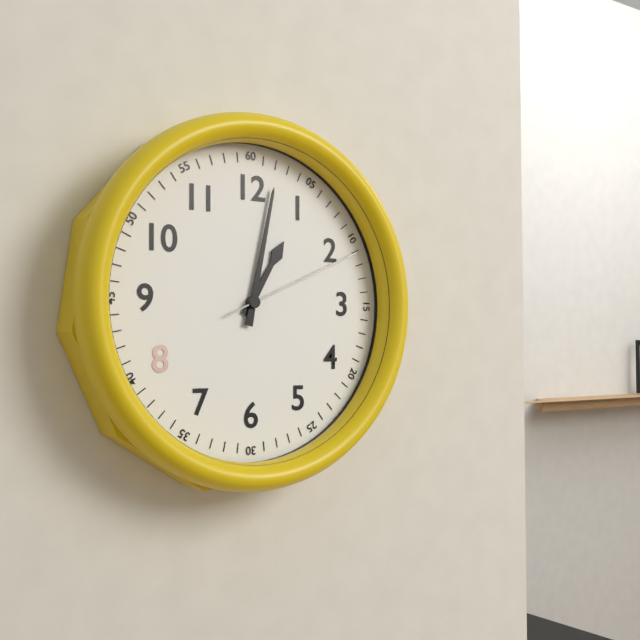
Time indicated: 1:02:11
